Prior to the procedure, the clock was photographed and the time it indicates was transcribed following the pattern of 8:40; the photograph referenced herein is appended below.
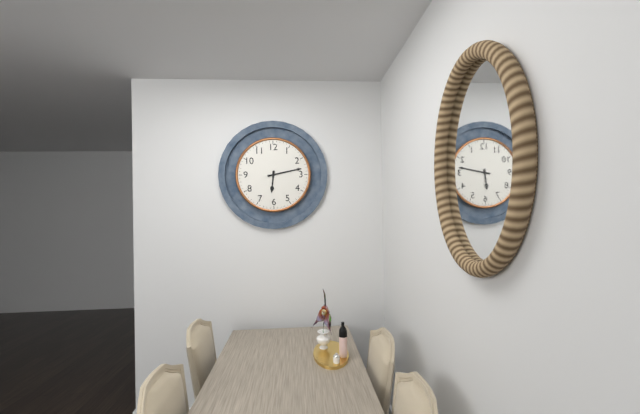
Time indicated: 6:13
